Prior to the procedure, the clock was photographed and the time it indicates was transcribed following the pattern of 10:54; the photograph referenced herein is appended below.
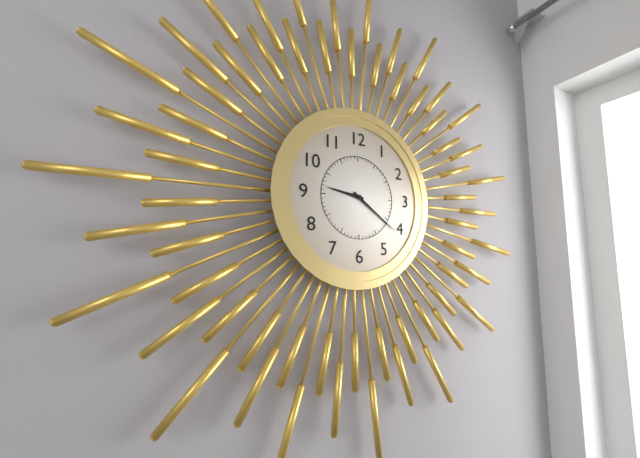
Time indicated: 9:21
